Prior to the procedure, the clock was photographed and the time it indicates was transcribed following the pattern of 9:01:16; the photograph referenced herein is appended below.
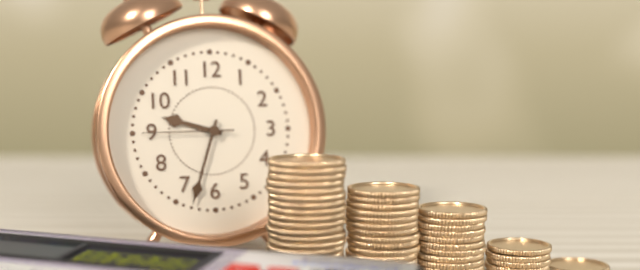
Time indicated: 9:33:45
